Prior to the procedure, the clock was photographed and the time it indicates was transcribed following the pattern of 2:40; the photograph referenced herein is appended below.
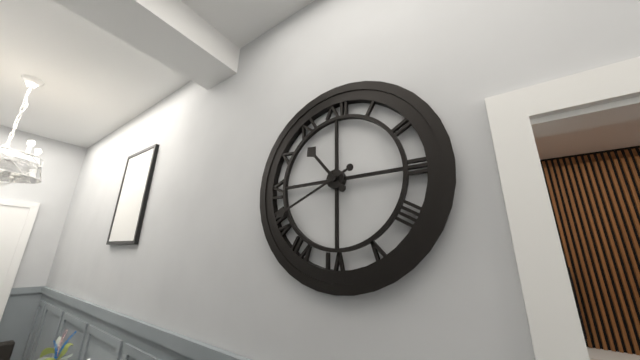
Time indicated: 10:41
